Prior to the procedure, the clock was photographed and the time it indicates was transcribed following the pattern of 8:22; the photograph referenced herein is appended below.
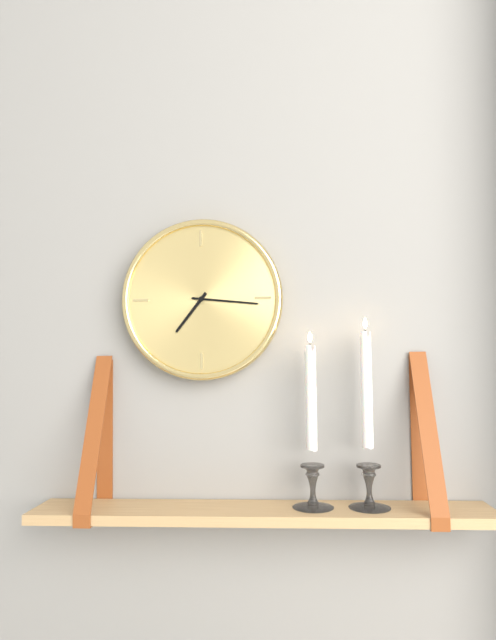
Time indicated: 7:16
